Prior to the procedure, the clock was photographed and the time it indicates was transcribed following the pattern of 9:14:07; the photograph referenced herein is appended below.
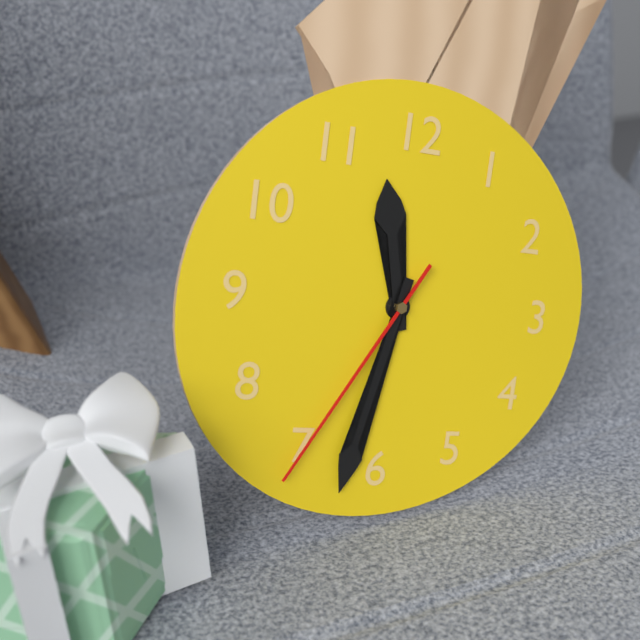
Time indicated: 11:32:35
